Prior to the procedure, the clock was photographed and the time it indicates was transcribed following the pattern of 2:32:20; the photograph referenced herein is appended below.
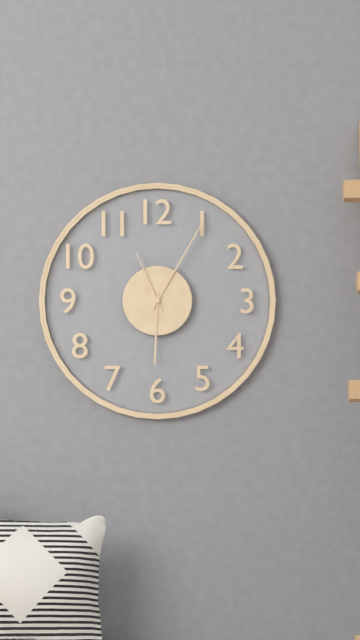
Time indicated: 6:05:56
